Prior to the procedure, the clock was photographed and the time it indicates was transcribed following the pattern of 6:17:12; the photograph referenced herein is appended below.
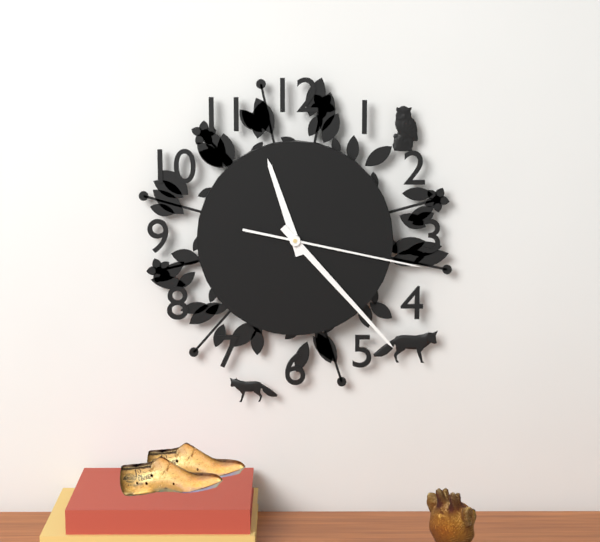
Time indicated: 11:23:17
